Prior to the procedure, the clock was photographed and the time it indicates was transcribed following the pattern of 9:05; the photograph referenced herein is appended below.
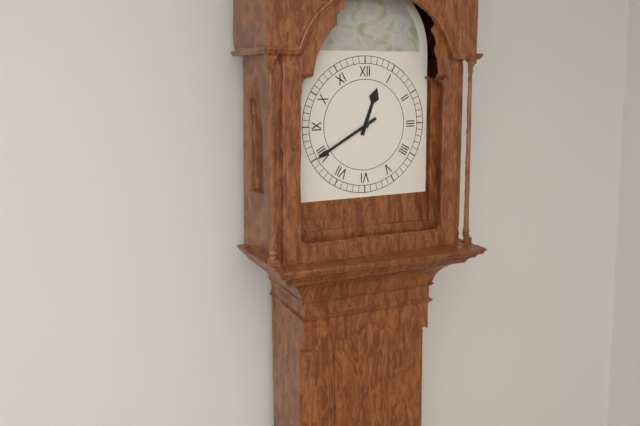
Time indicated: 12:40
